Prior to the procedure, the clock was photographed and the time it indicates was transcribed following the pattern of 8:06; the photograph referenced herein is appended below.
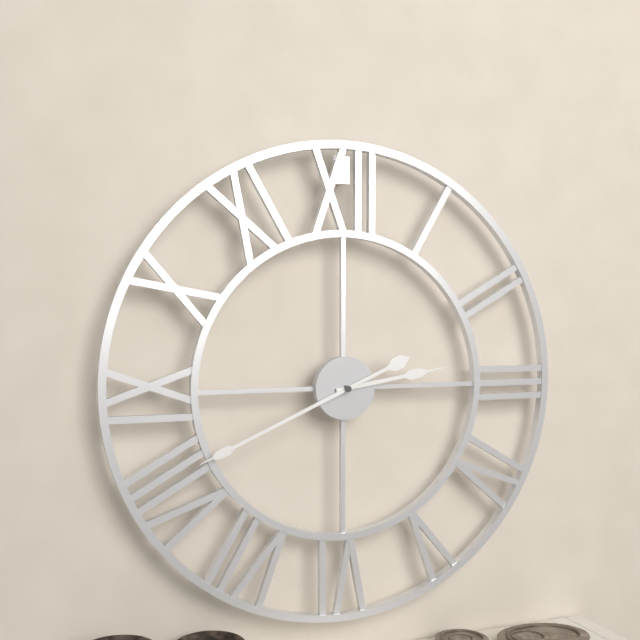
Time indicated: 2:41
